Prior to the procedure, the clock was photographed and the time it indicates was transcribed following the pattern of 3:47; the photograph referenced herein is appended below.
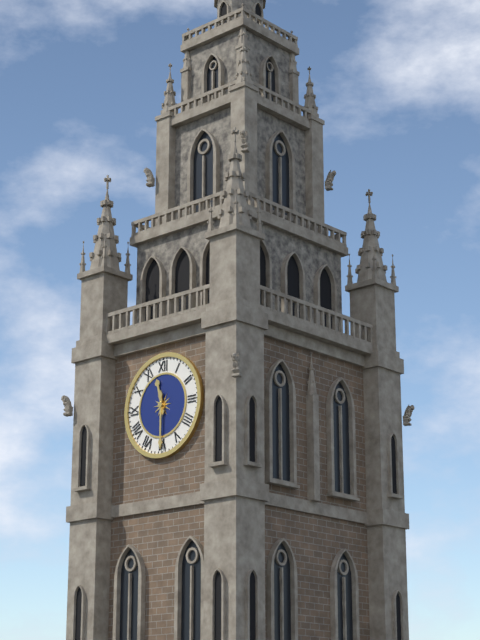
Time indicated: 11:30
